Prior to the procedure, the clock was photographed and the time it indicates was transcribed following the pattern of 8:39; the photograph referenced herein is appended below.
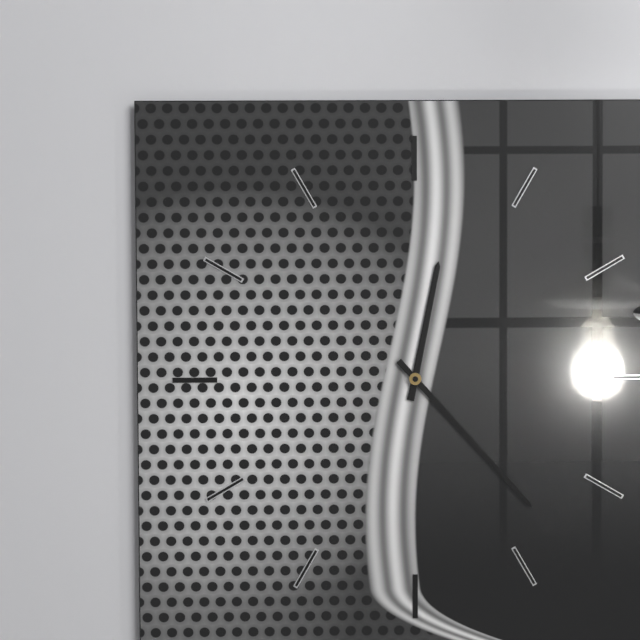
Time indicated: 12:23
